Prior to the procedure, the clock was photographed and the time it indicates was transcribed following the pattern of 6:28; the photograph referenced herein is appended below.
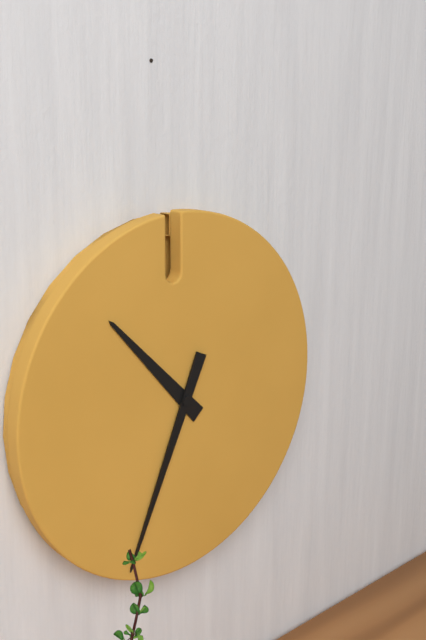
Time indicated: 10:34
